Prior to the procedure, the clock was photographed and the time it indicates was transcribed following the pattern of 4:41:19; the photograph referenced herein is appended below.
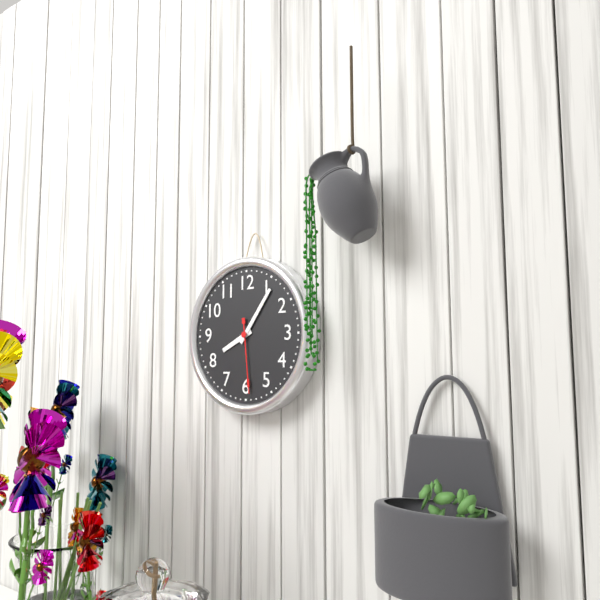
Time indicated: 8:06:29
